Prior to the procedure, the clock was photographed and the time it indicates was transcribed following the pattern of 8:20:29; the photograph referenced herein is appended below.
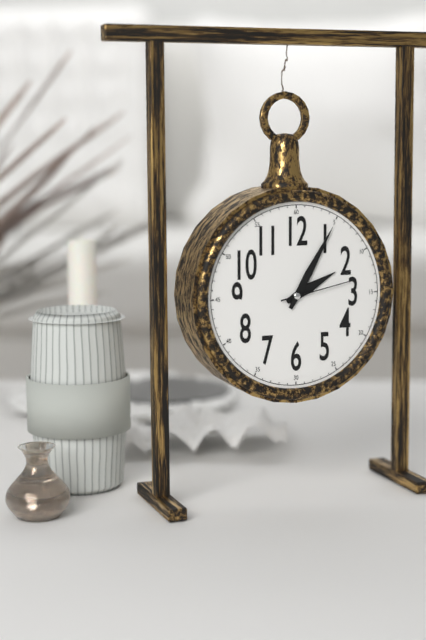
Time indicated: 2:05:13
